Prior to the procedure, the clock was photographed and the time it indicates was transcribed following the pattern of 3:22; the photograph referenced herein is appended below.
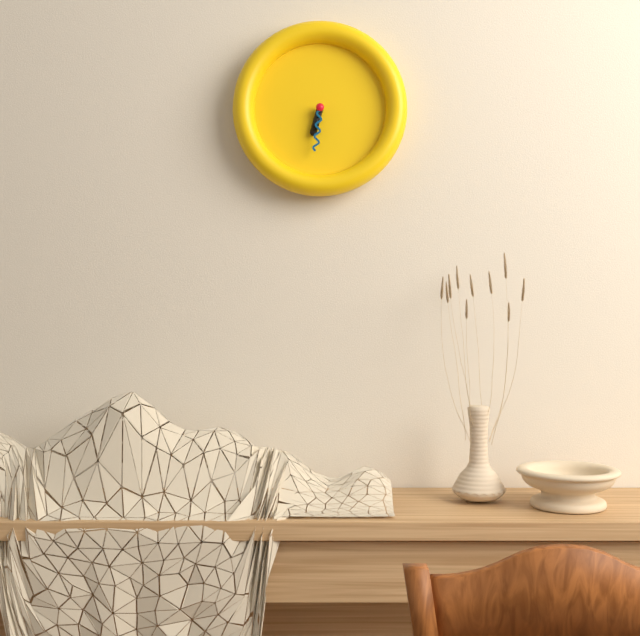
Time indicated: 6:31
